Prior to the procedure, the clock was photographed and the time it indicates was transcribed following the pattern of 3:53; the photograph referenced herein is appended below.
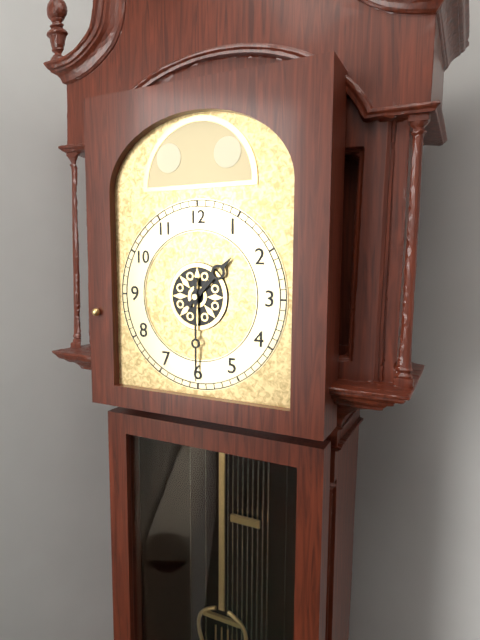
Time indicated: 1:30
